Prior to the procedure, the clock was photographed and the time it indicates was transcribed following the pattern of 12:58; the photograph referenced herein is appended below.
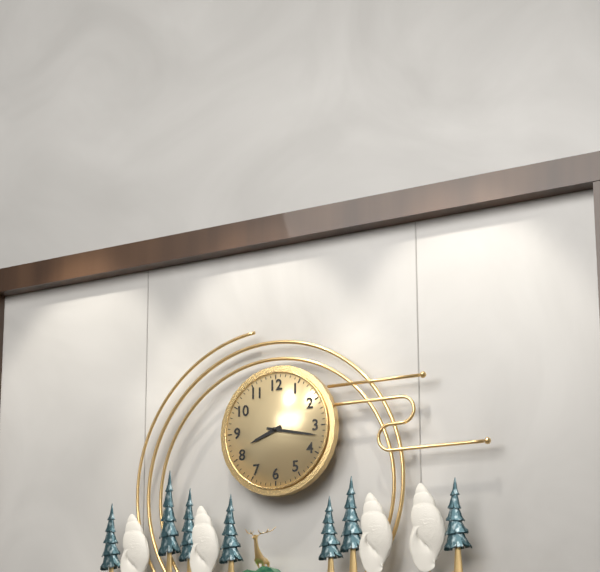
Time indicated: 8:17
